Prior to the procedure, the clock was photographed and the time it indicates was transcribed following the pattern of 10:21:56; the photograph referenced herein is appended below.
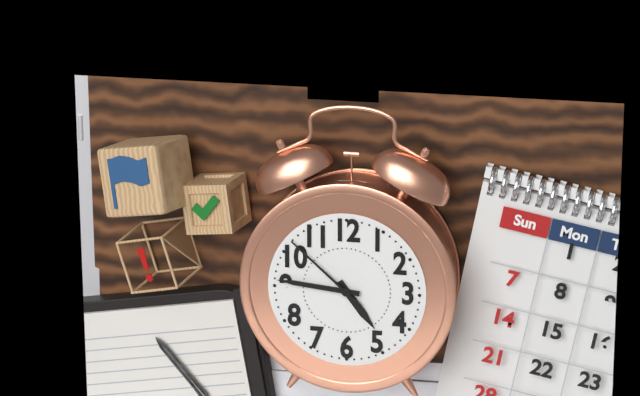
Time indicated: 4:46:52
